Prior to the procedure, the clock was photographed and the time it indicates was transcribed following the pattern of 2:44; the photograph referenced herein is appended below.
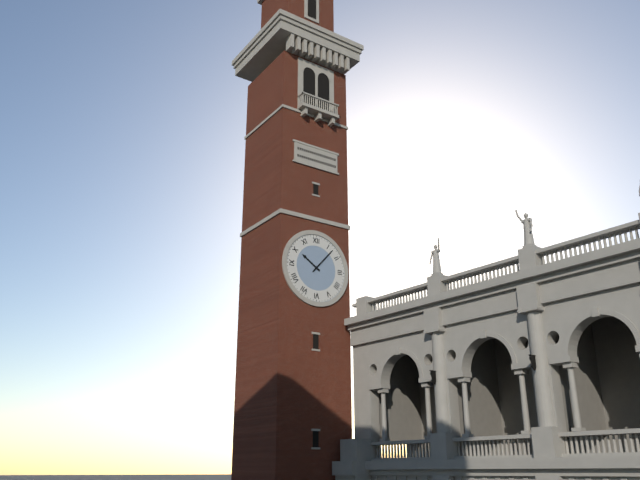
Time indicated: 10:07
